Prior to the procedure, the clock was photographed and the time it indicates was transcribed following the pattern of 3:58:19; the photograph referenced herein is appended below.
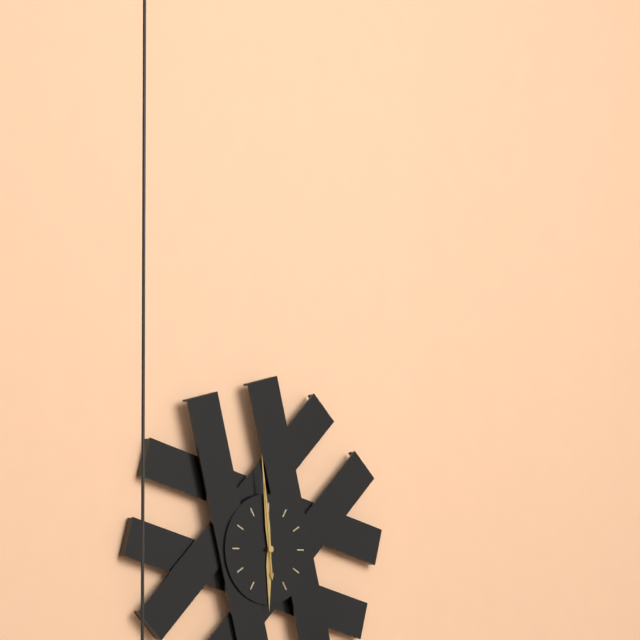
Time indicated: 5:59:59
